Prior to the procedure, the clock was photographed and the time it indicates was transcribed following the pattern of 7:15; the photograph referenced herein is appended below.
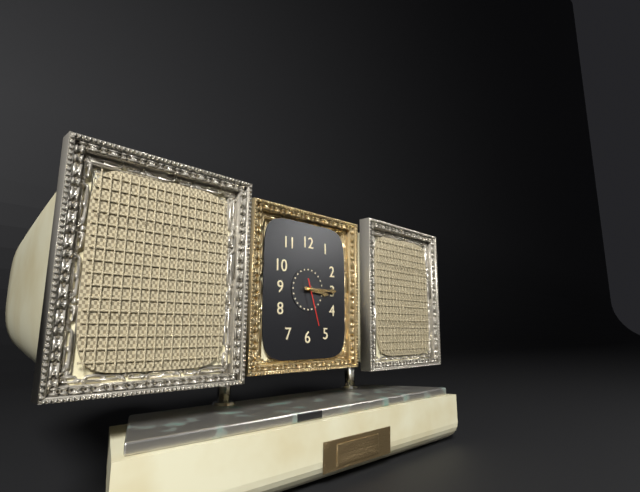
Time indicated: 3:15
